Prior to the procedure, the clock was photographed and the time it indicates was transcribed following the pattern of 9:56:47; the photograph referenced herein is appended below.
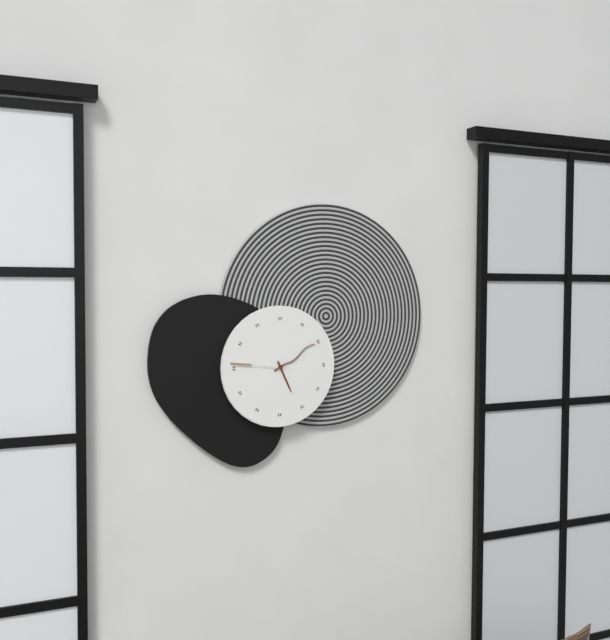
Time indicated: 5:10:46
